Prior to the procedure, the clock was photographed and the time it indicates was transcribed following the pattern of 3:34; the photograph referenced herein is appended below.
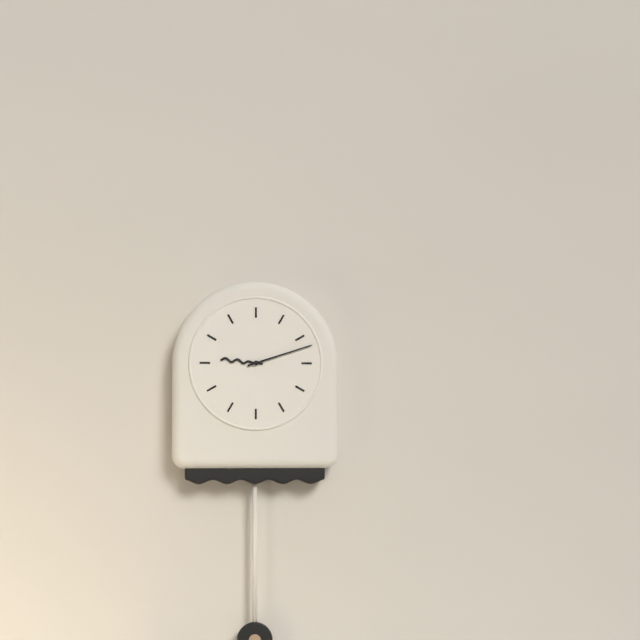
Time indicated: 9:12
